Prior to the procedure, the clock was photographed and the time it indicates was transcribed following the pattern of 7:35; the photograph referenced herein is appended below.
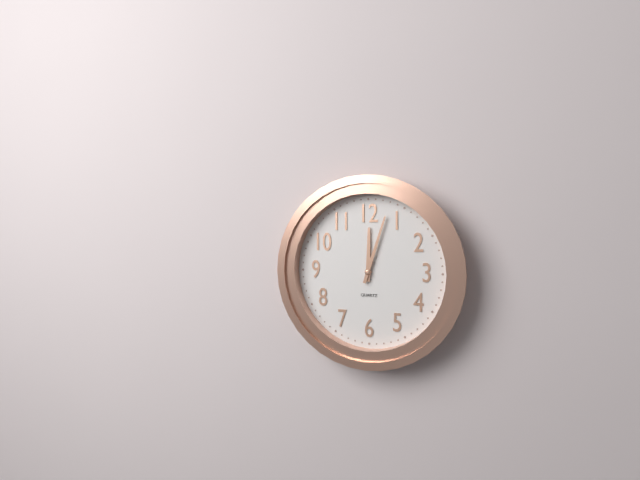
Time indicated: 12:03
